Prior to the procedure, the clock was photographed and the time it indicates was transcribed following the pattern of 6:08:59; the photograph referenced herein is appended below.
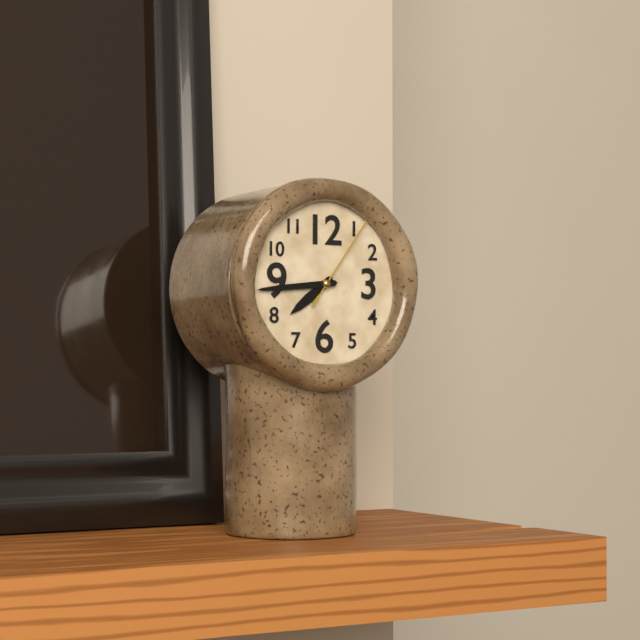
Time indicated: 7:44:06
